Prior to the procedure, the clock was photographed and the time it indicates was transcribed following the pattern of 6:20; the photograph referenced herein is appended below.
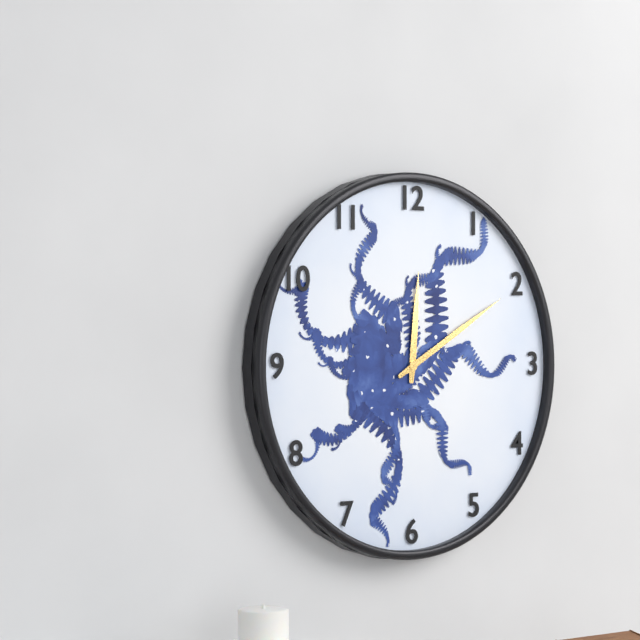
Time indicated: 12:10
